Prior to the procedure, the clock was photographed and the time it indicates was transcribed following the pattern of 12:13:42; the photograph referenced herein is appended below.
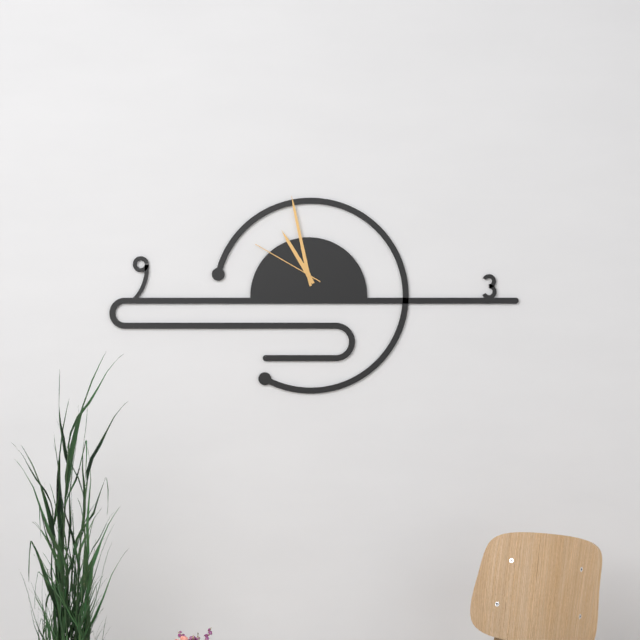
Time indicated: 10:58:50
